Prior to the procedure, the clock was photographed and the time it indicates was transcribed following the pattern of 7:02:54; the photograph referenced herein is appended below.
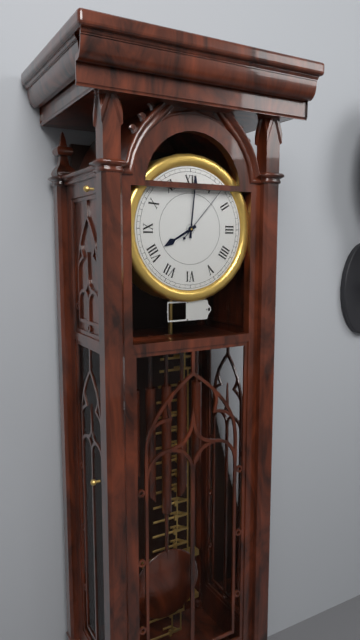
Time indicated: 8:01:07
